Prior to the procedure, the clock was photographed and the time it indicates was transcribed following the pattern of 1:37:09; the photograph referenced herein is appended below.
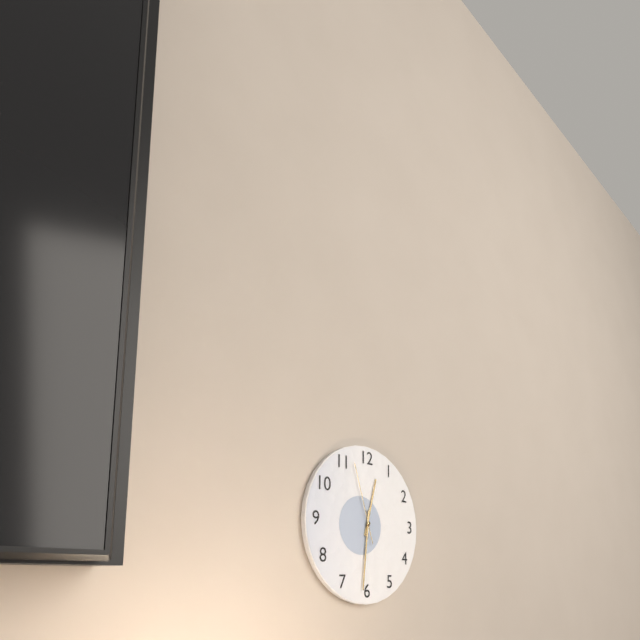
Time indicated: 12:31:57
